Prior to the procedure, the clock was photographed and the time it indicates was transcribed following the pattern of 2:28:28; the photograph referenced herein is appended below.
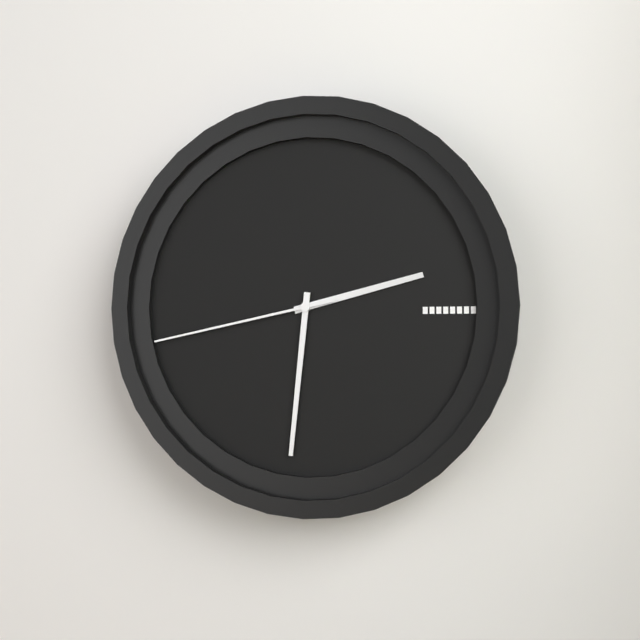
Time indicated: 2:31:43
